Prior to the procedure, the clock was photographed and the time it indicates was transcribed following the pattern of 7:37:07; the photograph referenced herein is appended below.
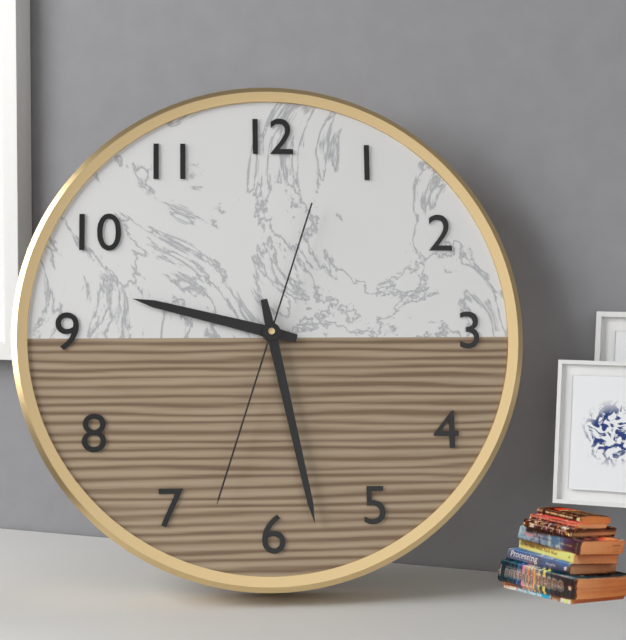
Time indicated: 9:28:33
